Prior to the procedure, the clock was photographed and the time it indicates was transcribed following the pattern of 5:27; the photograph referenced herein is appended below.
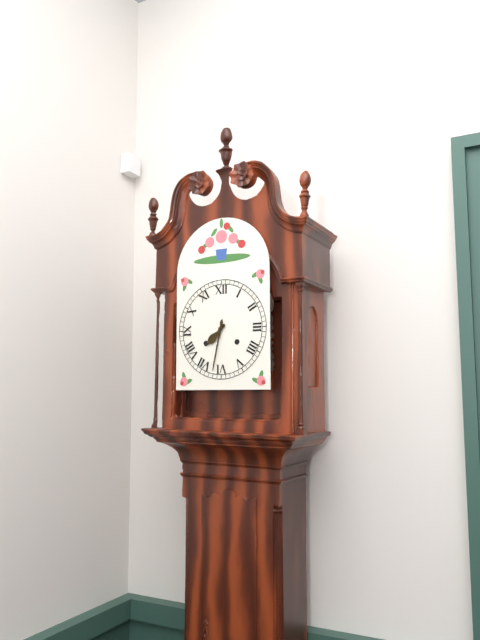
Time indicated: 7:32
